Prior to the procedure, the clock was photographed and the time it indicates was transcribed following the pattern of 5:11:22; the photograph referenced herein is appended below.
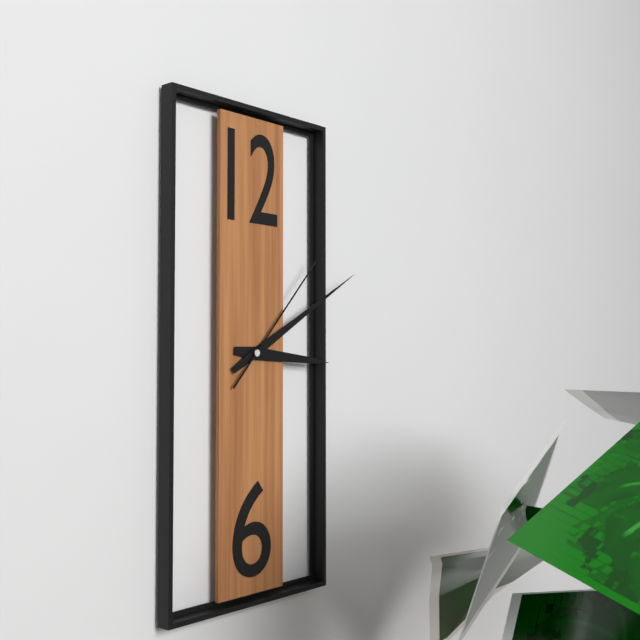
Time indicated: 3:10:07
